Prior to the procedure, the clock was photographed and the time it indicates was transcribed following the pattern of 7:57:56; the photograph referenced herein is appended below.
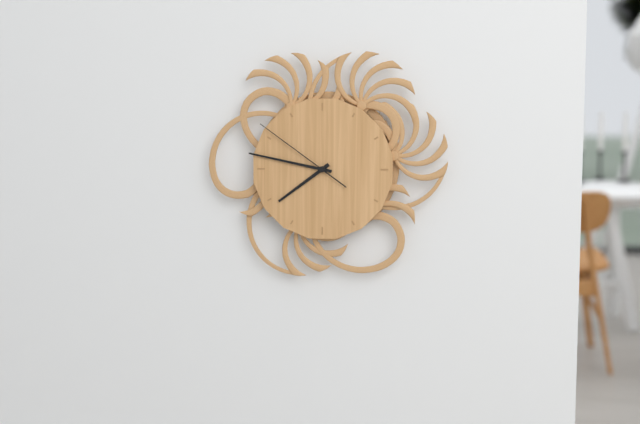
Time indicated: 7:47:51
